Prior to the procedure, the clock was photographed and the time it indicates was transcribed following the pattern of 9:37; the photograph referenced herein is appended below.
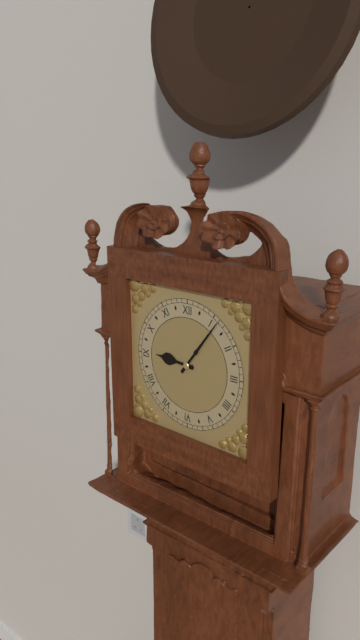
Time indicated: 9:06
